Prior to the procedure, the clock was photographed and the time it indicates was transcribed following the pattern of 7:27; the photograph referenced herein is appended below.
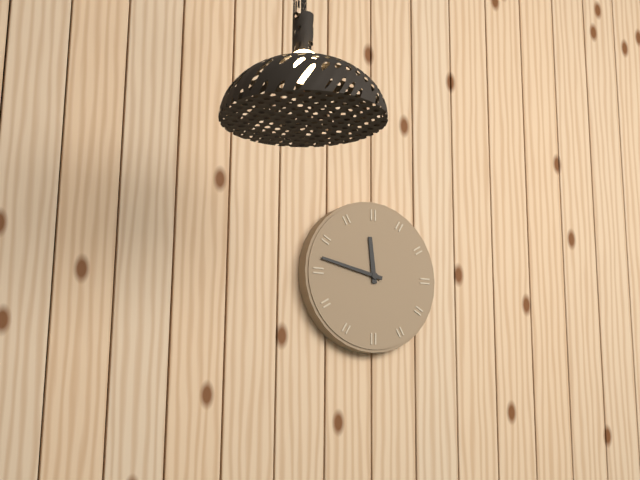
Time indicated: 11:47
